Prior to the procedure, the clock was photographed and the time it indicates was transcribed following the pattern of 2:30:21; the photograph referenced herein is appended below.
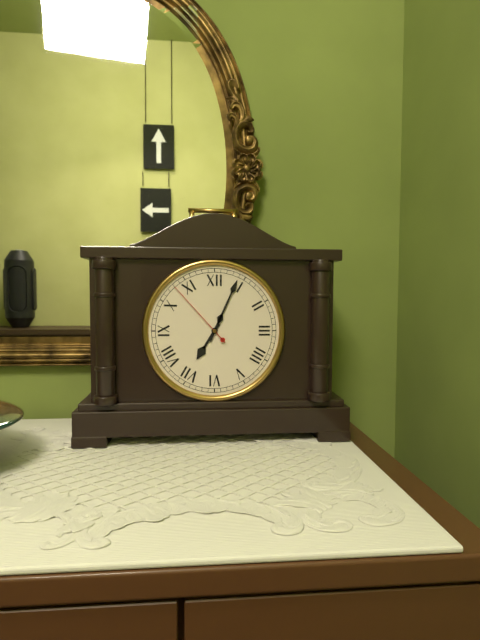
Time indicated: 7:04:53
